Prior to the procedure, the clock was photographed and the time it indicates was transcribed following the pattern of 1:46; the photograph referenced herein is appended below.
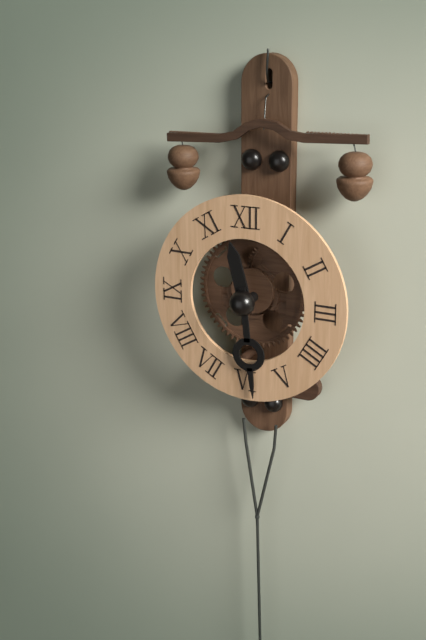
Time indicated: 11:29
